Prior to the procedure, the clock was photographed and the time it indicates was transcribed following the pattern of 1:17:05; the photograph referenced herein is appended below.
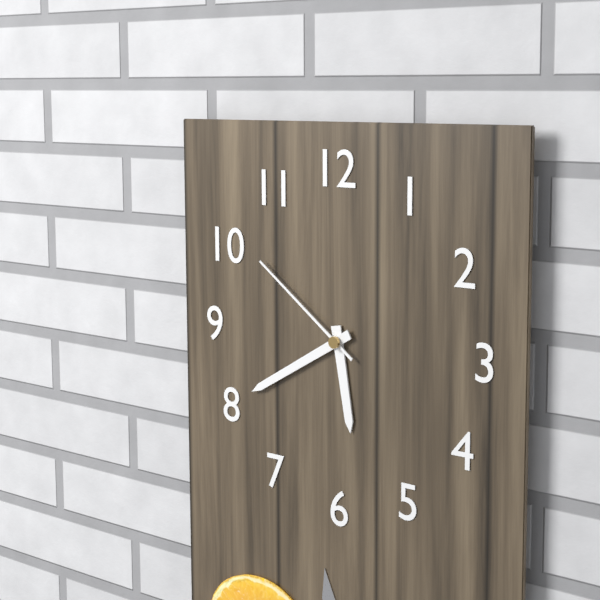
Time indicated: 5:40:51
